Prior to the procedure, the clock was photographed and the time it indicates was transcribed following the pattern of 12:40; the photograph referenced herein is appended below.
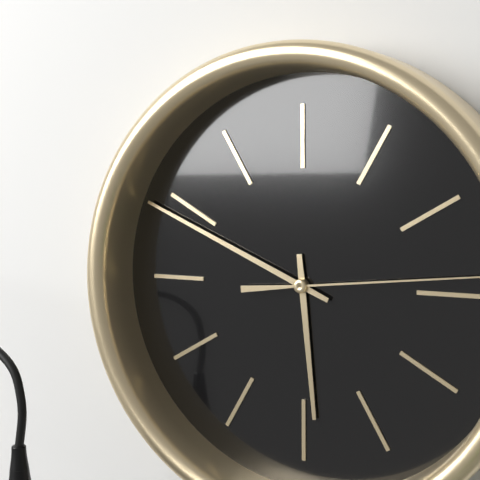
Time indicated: 5:49
